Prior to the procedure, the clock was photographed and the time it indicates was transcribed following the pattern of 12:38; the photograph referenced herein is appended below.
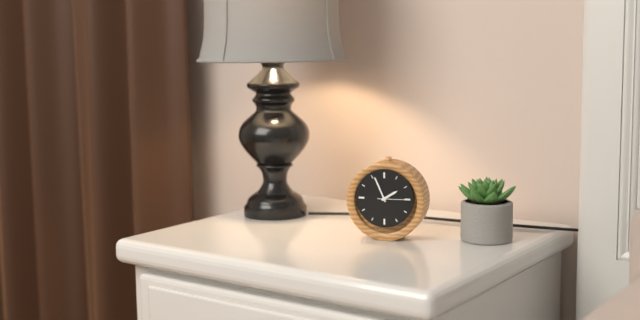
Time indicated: 1:56
